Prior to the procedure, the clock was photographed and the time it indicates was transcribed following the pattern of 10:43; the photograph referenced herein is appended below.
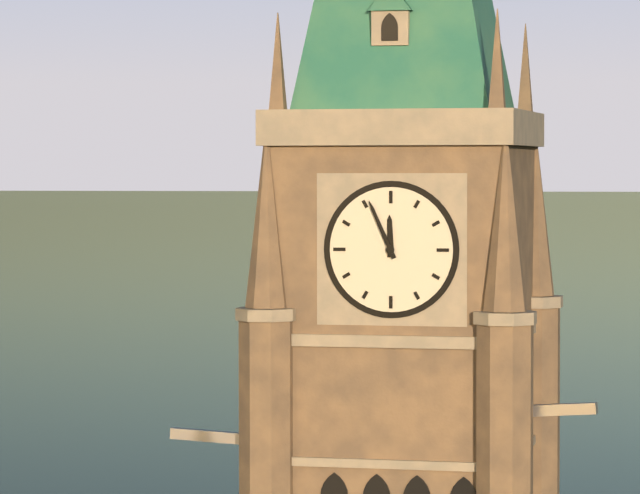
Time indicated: 11:56
